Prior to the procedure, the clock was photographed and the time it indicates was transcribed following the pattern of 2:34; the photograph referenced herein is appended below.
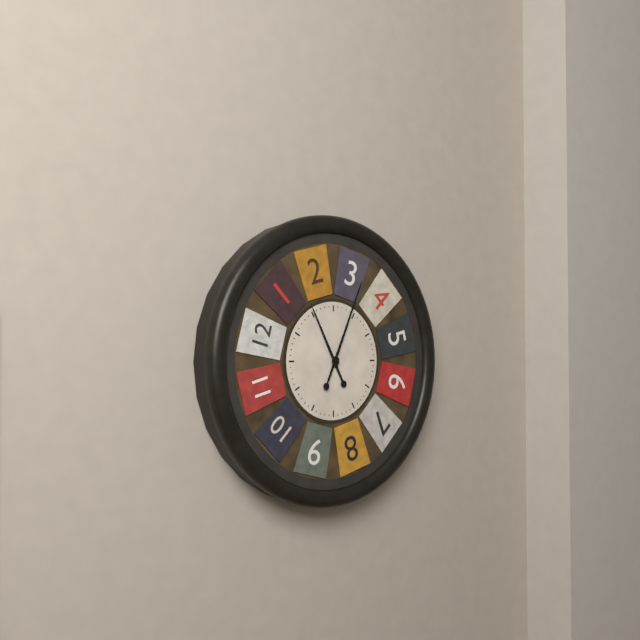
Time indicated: 11:04
